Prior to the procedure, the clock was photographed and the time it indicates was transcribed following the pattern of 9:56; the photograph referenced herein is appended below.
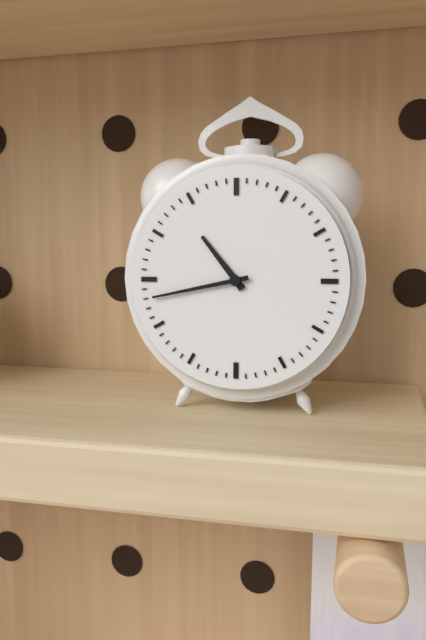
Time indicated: 10:43
